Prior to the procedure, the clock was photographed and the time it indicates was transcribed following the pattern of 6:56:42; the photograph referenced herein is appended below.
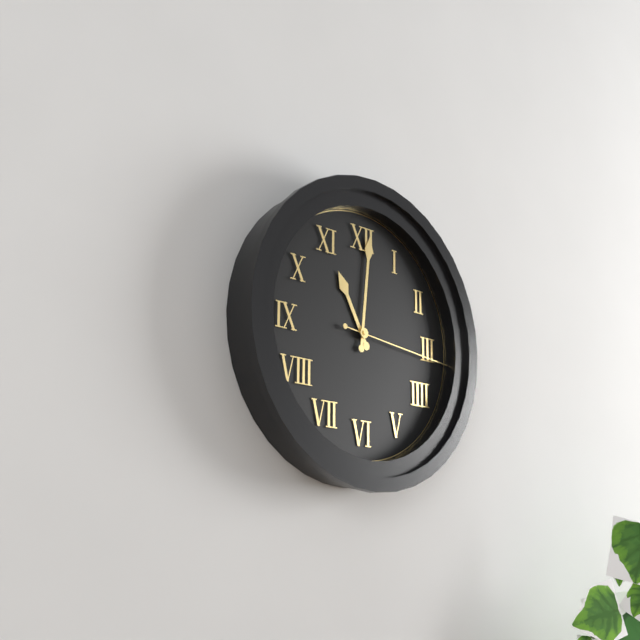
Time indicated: 11:01:16
